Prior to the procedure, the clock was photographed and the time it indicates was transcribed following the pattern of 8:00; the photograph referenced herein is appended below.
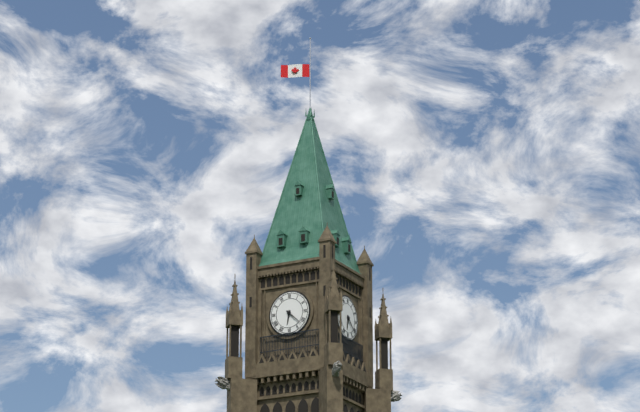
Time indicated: 6:22
